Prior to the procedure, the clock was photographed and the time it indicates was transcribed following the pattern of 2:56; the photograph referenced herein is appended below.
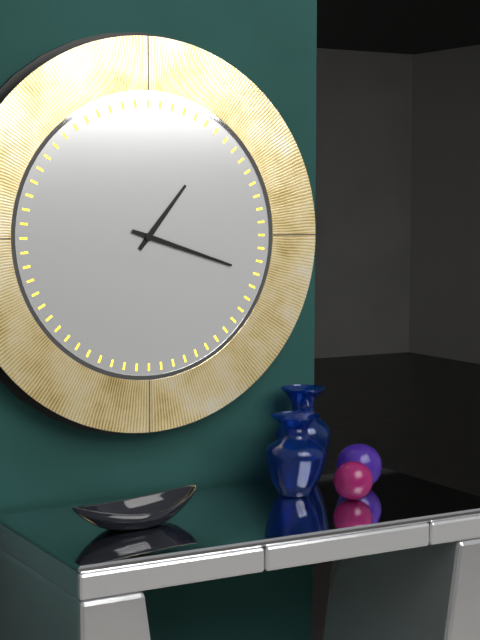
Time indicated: 1:18
